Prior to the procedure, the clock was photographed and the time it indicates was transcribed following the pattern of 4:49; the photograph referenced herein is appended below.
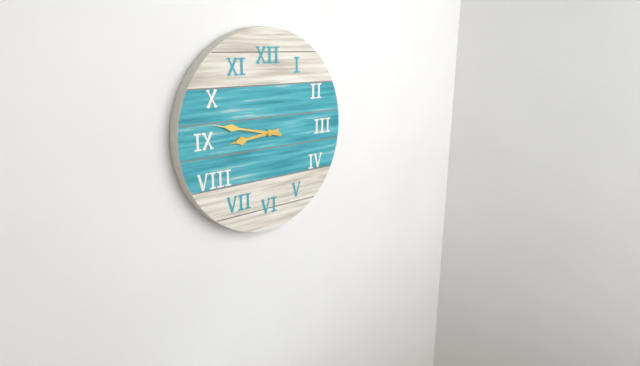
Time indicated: 8:47
